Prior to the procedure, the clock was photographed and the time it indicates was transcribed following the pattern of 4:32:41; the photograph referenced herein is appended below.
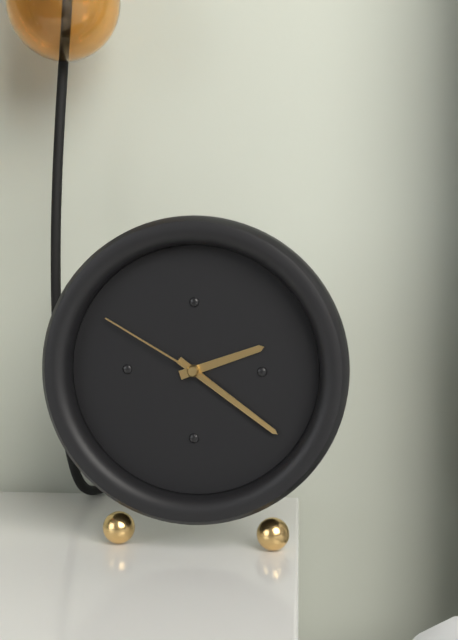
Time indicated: 2:21:50
